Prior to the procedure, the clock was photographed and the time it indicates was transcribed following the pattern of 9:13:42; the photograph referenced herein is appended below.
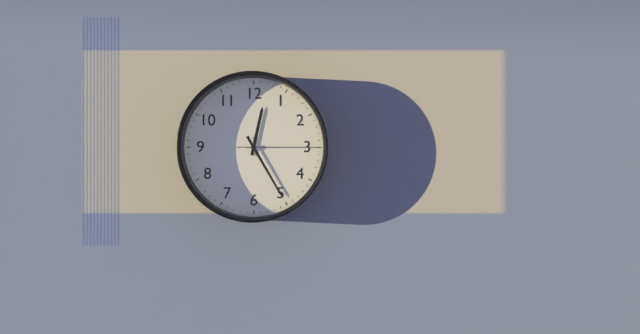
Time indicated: 12:25:15
